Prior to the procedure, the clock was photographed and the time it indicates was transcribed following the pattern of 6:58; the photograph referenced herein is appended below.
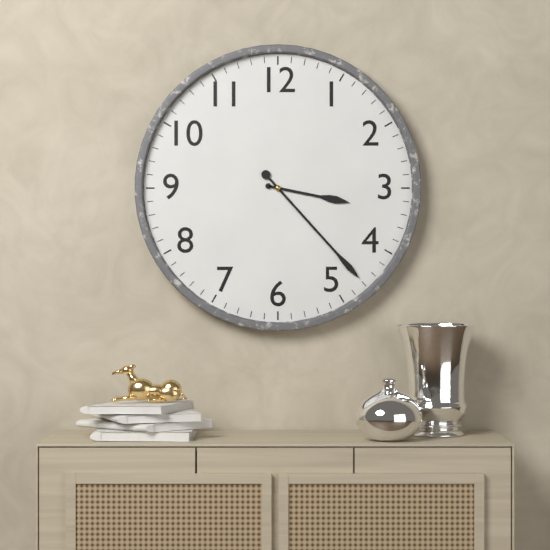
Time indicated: 3:23
